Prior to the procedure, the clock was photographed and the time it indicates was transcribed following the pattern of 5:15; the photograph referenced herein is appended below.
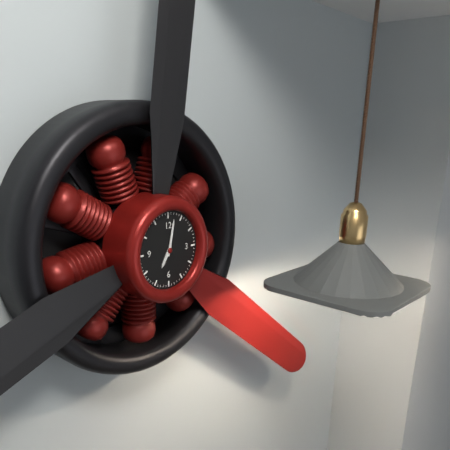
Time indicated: 7:02
